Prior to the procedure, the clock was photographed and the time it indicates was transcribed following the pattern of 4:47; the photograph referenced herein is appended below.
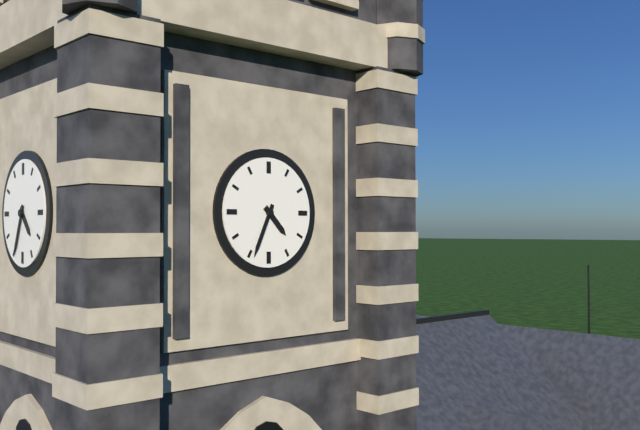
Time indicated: 4:34
